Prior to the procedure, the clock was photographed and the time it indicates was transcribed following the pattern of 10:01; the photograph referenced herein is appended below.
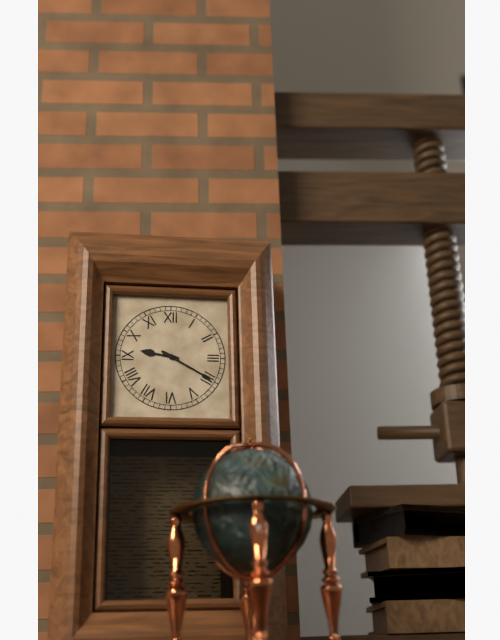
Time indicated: 9:20
